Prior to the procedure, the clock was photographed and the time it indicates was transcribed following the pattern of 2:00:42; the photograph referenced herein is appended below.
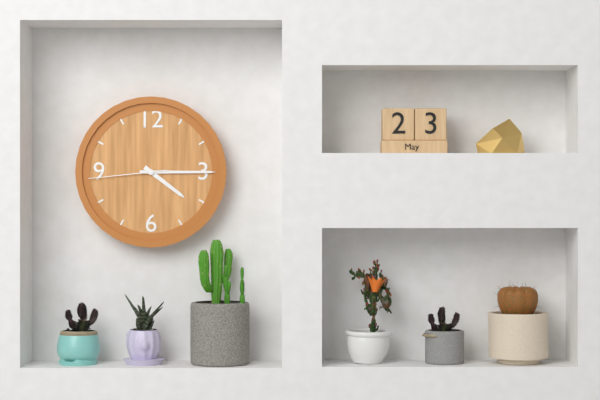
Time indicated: 4:15:44
